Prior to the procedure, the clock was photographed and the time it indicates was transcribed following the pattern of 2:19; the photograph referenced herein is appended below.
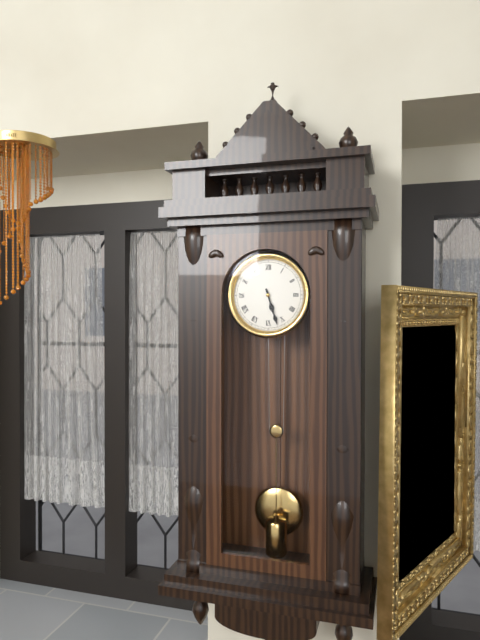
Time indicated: 5:27
